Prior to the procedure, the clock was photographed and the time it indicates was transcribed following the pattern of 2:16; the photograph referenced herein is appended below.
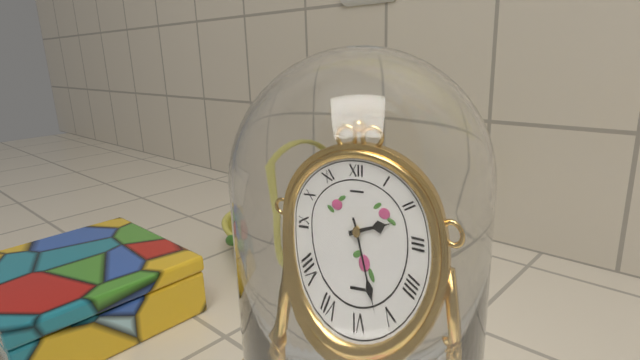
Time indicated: 2:27
